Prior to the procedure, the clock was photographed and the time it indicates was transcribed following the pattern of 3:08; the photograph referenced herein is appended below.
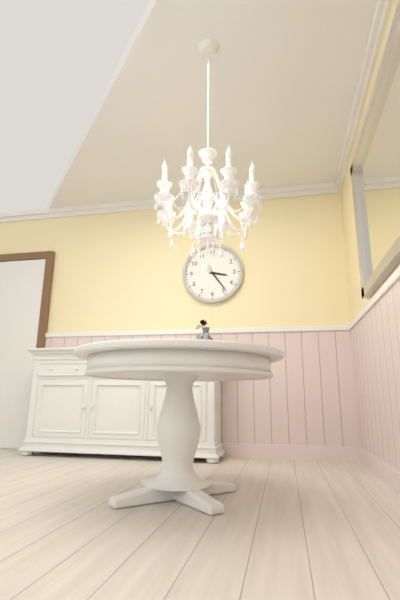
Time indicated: 3:24
